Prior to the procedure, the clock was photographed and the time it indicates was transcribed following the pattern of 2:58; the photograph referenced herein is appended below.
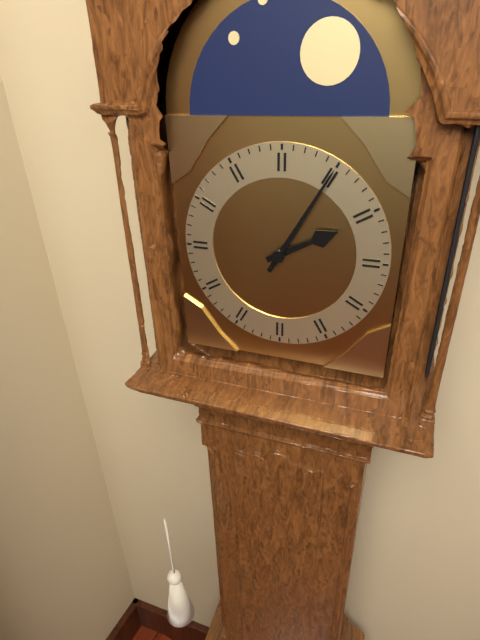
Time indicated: 2:05
